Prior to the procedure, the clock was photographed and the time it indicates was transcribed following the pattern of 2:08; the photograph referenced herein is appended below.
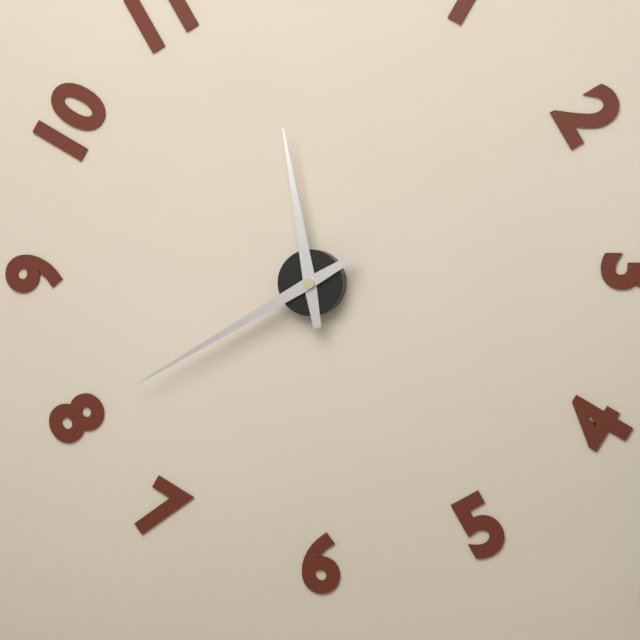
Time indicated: 11:40
